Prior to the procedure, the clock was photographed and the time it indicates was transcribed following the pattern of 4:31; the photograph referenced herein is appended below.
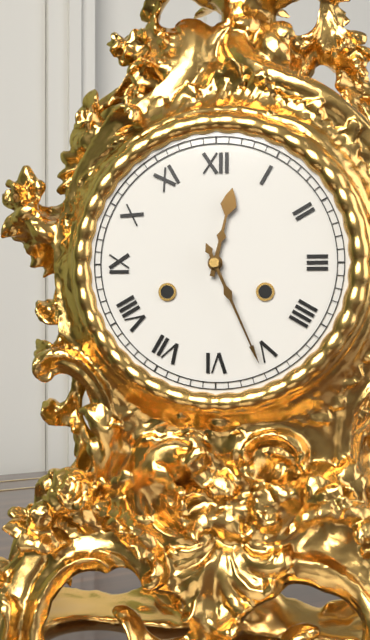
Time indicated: 12:26
